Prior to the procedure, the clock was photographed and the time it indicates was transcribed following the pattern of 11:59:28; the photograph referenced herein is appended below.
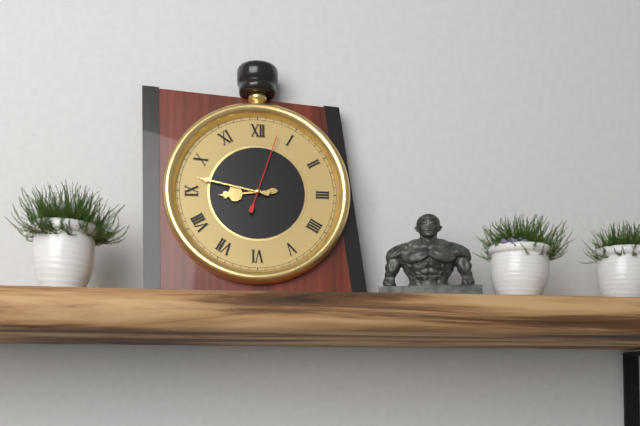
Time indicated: 8:47:03
